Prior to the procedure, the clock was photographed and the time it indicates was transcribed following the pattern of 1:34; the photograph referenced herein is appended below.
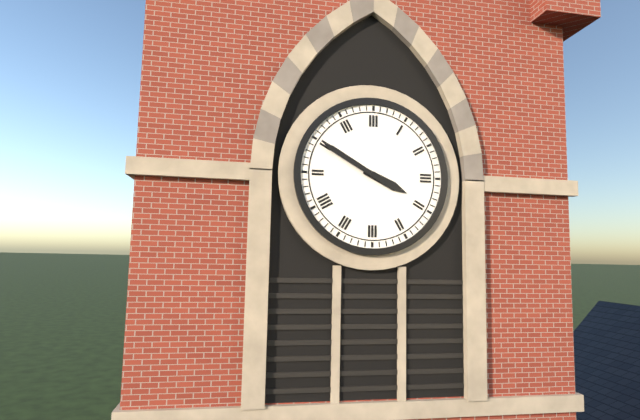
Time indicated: 3:50
